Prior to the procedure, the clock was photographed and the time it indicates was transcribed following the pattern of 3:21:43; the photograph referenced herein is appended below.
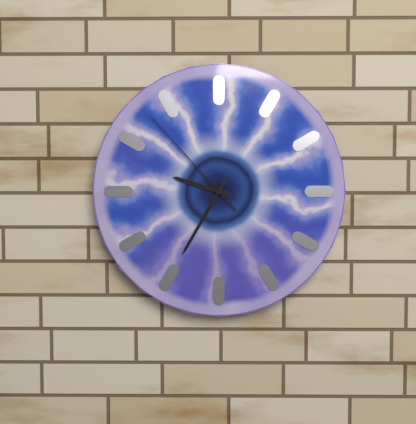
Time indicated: 9:35:53
